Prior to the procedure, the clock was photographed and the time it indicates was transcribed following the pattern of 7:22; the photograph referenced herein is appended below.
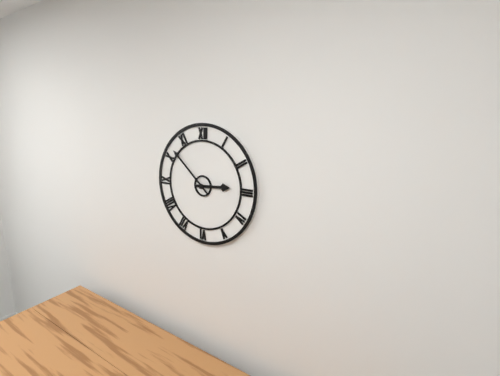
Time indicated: 2:52
